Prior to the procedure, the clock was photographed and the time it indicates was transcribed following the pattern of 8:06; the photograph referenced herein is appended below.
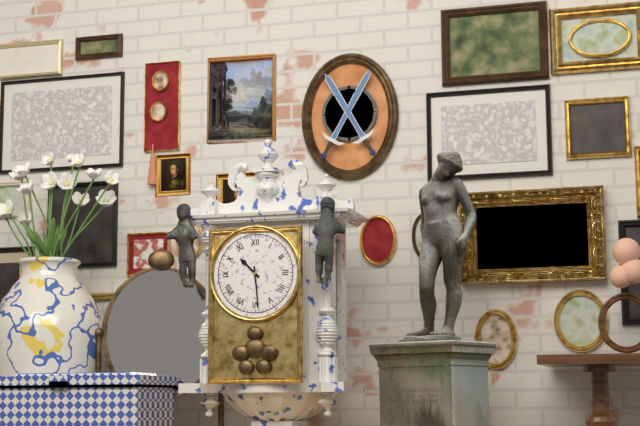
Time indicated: 10:29
